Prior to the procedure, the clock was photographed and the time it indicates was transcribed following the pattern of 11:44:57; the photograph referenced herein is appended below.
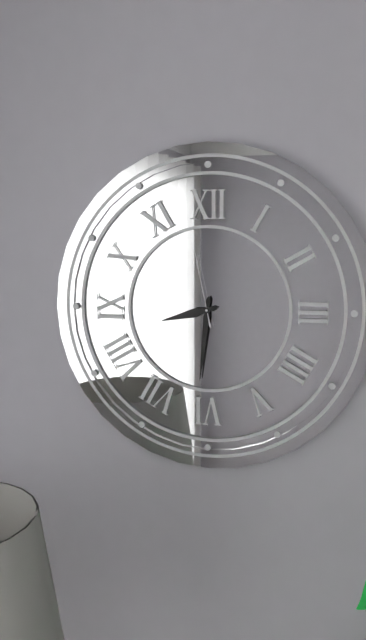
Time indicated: 8:31:58
